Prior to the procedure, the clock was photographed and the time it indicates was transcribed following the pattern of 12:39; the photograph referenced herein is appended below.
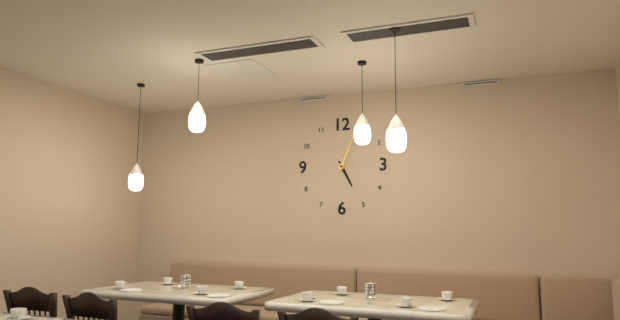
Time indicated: 5:04
